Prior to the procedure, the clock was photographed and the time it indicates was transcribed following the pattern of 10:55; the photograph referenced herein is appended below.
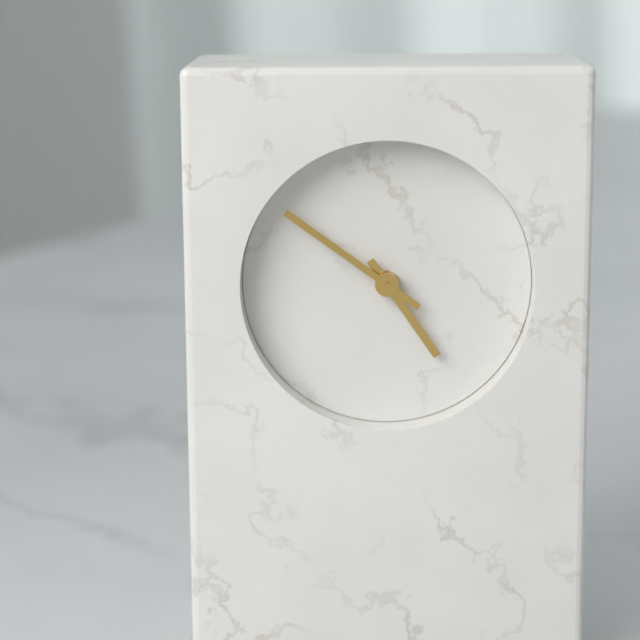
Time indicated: 4:51
